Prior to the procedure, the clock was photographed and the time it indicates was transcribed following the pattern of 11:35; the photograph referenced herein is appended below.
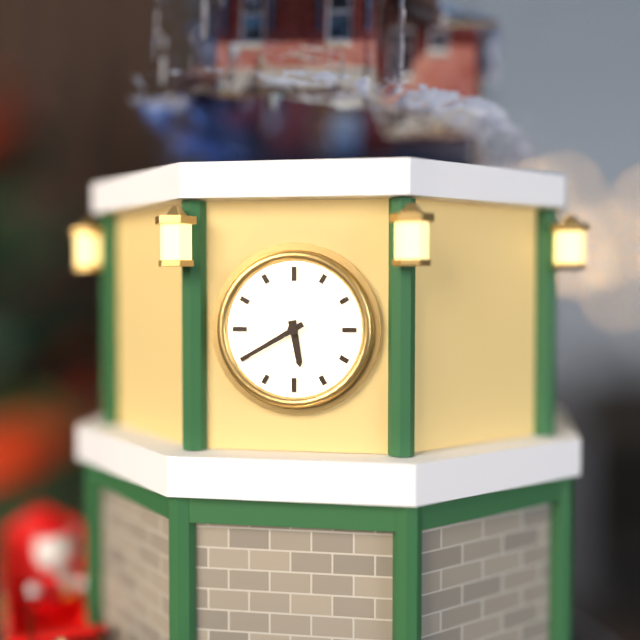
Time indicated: 5:40
